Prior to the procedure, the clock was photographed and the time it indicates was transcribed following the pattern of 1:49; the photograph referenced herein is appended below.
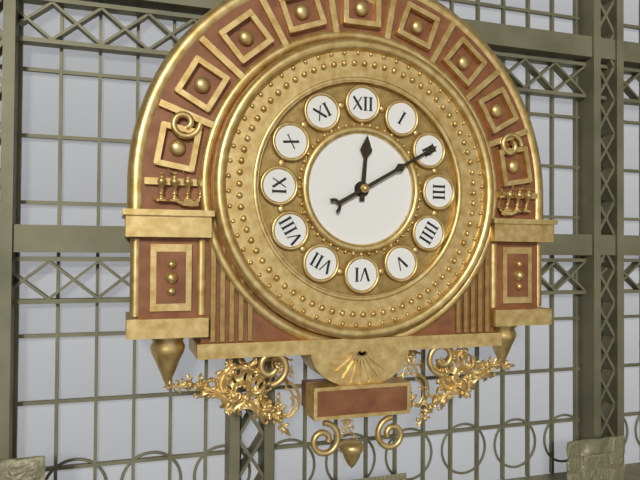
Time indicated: 12:10
